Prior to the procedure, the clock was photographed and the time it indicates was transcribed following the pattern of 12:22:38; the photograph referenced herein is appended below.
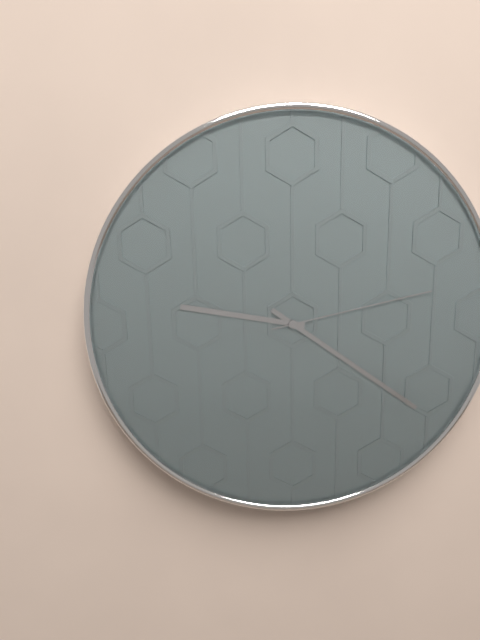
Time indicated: 9:21:13
